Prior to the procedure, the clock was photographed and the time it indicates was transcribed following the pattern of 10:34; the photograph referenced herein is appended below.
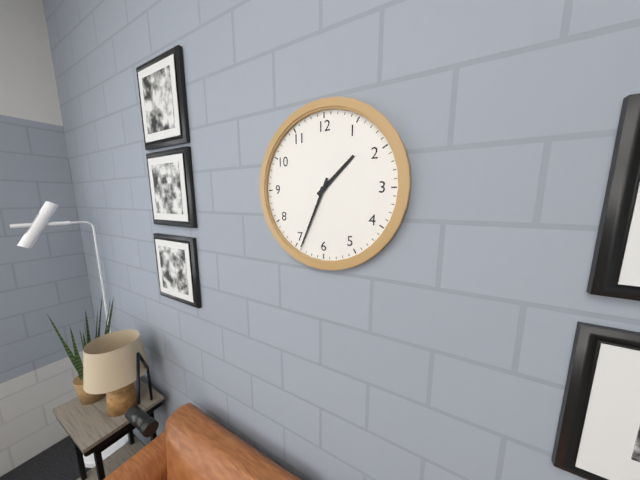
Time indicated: 1:34
